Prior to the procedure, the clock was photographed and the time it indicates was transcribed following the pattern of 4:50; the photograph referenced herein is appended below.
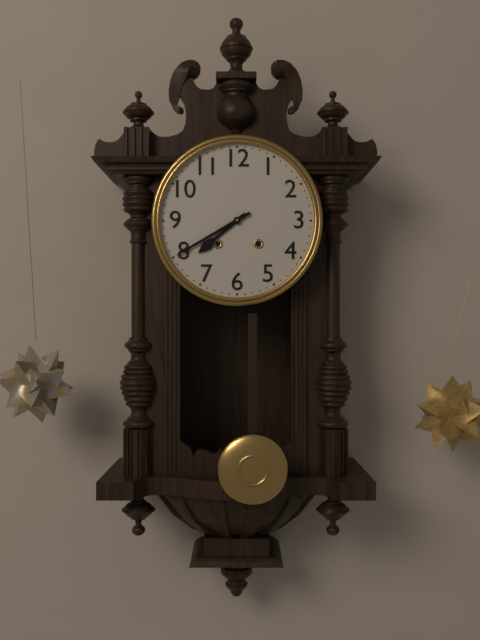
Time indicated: 7:40
